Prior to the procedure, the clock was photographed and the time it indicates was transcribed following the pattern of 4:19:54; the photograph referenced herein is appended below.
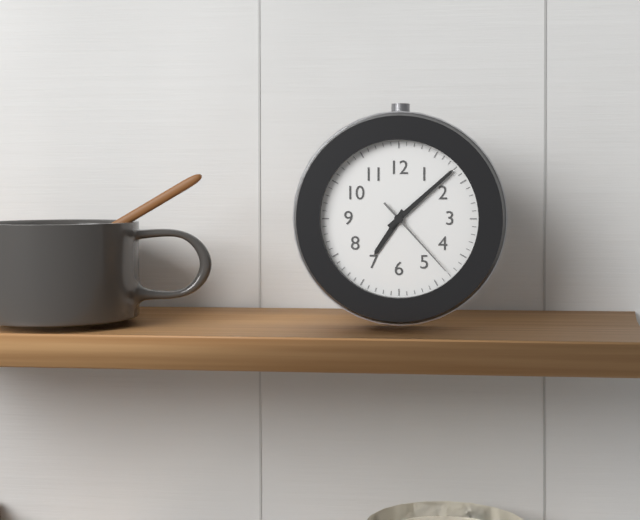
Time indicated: 7:08:23
